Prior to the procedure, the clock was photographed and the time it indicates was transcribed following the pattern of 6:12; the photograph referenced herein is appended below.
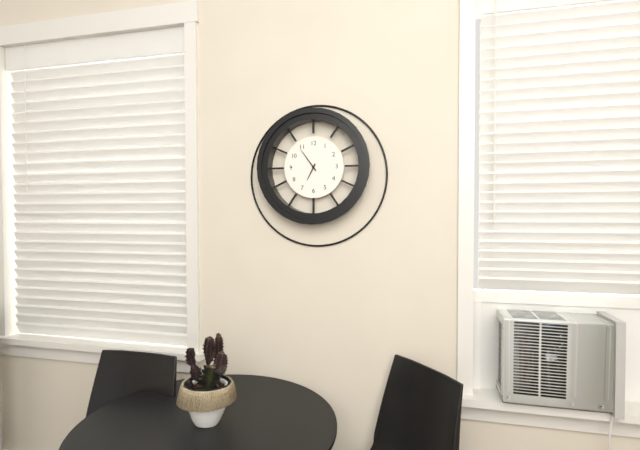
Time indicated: 6:54
